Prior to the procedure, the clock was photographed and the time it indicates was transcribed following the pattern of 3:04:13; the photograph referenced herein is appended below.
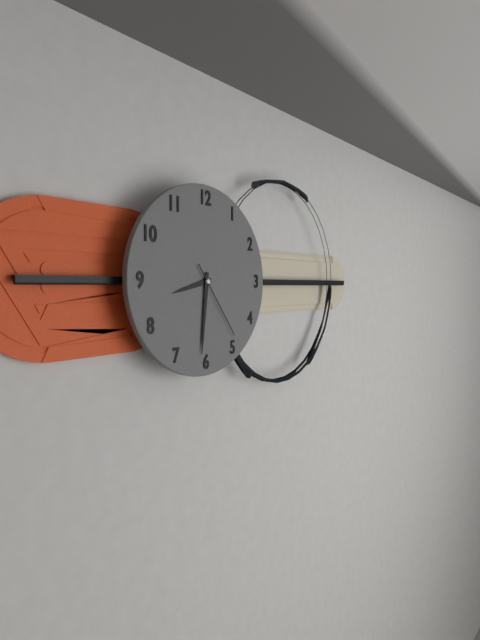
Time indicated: 8:31:24
